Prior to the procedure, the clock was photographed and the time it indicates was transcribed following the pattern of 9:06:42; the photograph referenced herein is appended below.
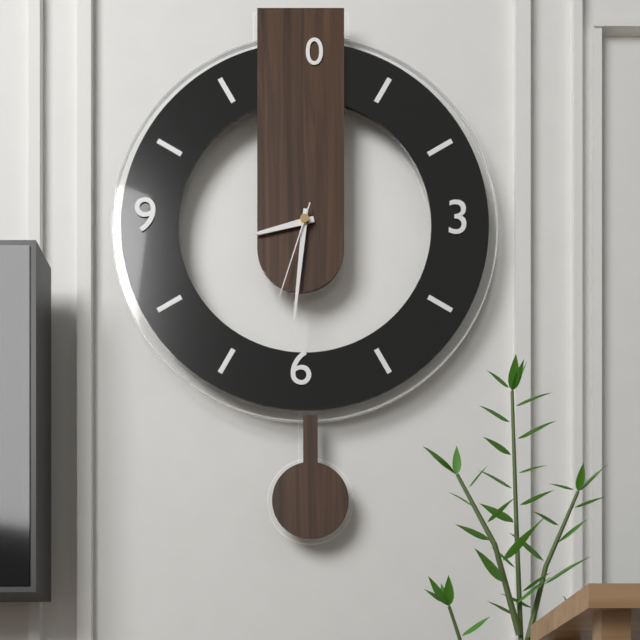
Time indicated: 8:31:33
